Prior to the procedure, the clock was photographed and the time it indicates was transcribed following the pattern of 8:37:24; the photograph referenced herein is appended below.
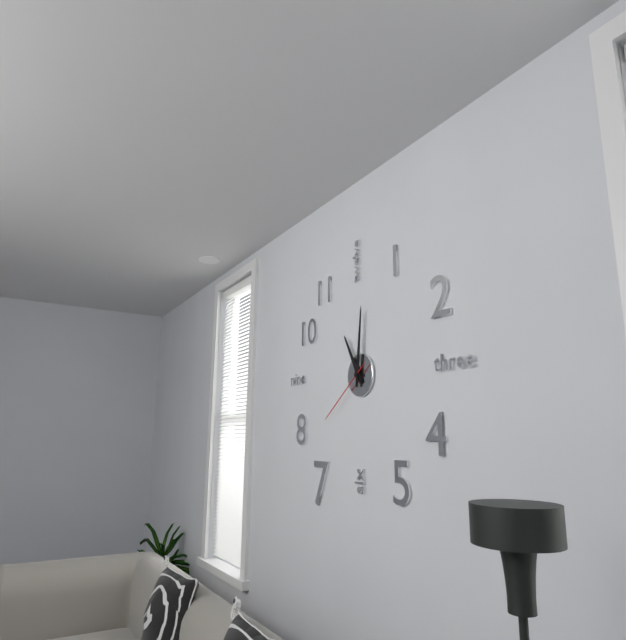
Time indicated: 11:01:39
